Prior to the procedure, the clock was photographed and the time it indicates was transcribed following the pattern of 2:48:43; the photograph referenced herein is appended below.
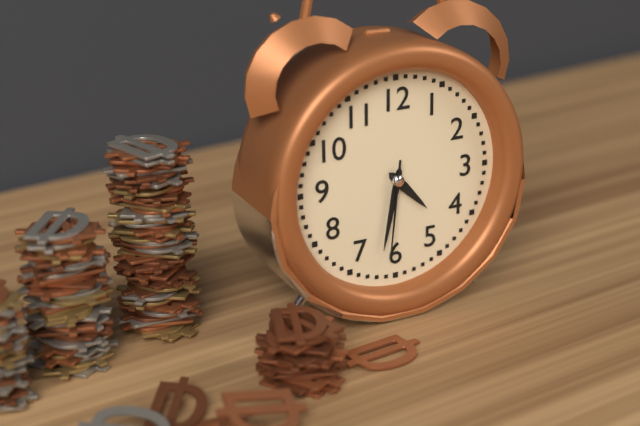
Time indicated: 4:32:31
